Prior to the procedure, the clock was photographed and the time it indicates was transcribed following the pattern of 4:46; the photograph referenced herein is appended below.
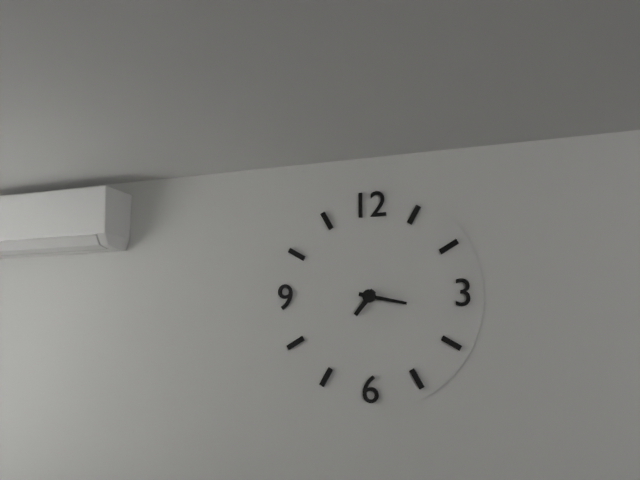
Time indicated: 7:17
